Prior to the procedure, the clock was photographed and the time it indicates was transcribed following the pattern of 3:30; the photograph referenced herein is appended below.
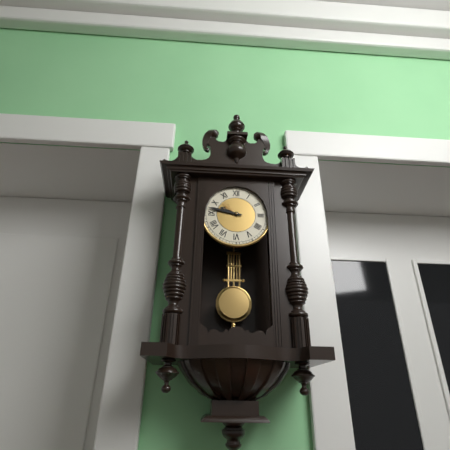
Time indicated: 9:47
